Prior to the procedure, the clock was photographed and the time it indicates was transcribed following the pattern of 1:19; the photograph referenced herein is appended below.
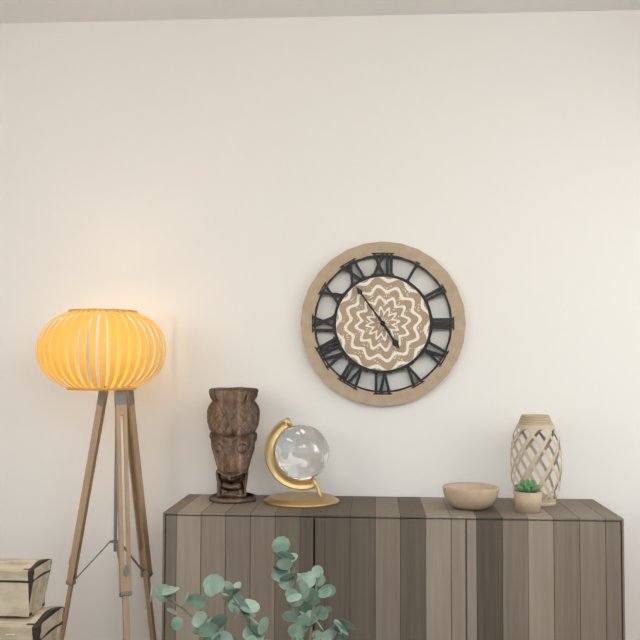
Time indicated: 4:54
